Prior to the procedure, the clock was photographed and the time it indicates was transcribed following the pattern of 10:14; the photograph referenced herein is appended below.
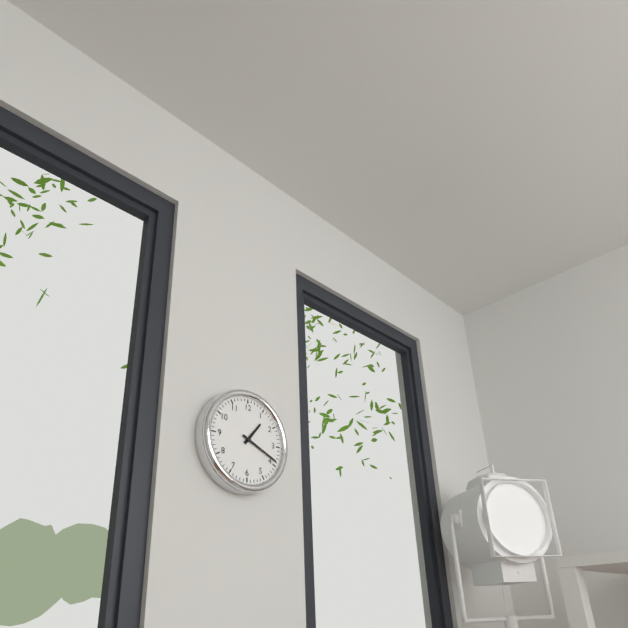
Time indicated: 1:19
